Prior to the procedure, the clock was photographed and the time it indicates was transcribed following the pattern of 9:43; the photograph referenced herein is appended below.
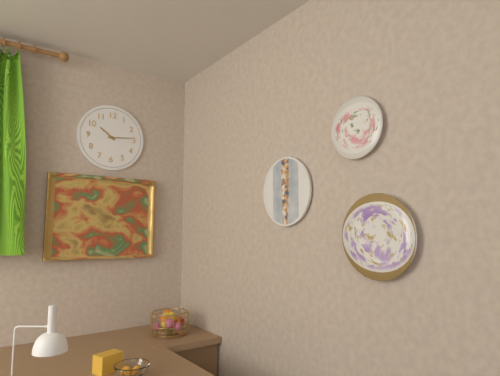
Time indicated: 10:14
